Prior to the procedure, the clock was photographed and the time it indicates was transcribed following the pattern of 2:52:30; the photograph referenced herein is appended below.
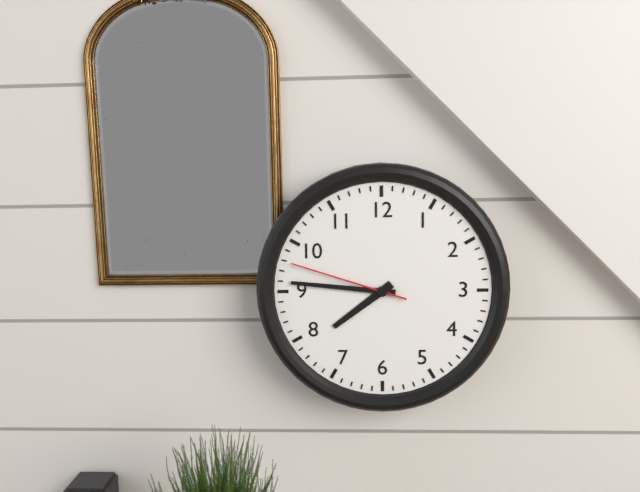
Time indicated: 7:46:48
